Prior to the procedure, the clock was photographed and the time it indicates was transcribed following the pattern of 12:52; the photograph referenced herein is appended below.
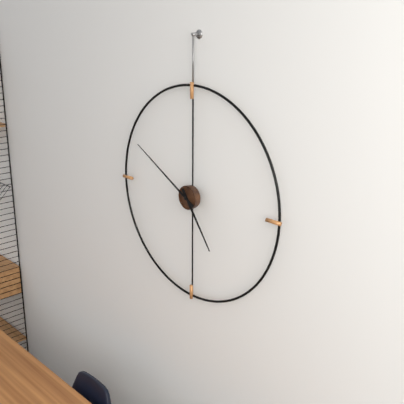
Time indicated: 4:50
